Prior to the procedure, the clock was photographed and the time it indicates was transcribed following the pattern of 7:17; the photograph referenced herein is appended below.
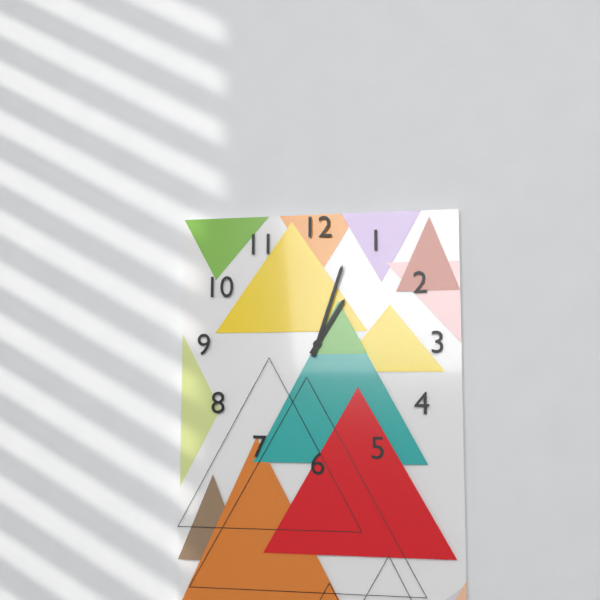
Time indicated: 1:03
